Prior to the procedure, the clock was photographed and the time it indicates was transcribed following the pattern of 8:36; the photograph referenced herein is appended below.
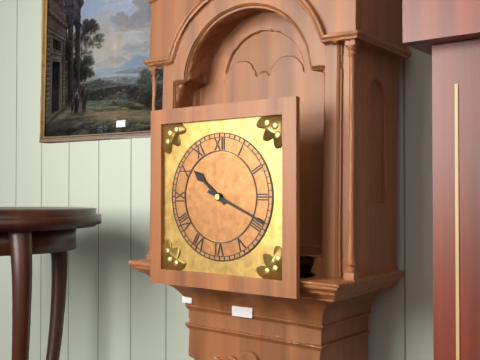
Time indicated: 10:19
